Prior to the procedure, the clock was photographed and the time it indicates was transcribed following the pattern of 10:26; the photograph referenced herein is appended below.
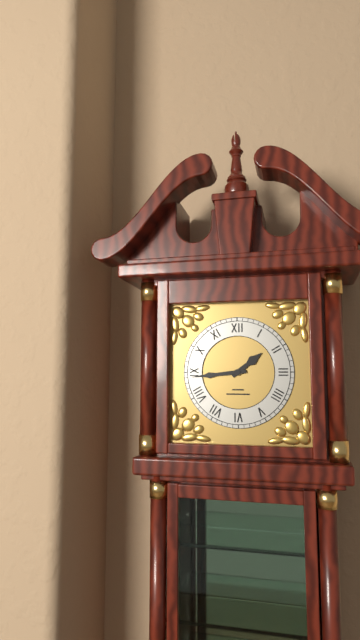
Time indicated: 1:44
